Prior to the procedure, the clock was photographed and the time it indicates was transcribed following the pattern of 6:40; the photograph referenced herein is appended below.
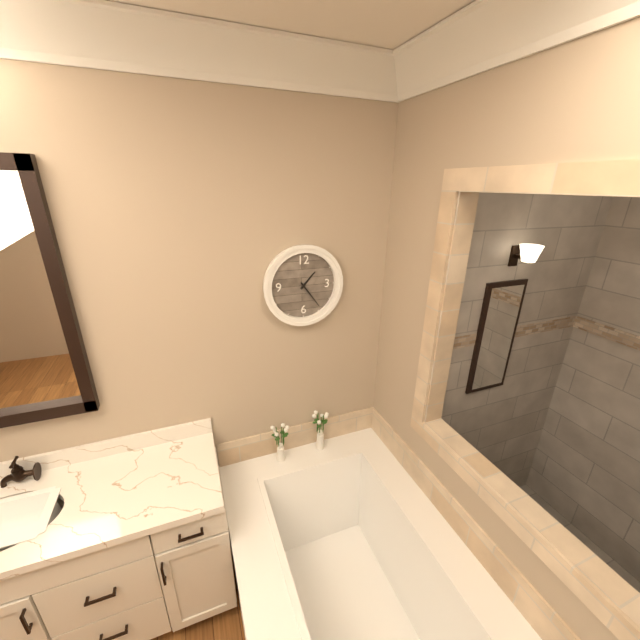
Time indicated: 1:24
